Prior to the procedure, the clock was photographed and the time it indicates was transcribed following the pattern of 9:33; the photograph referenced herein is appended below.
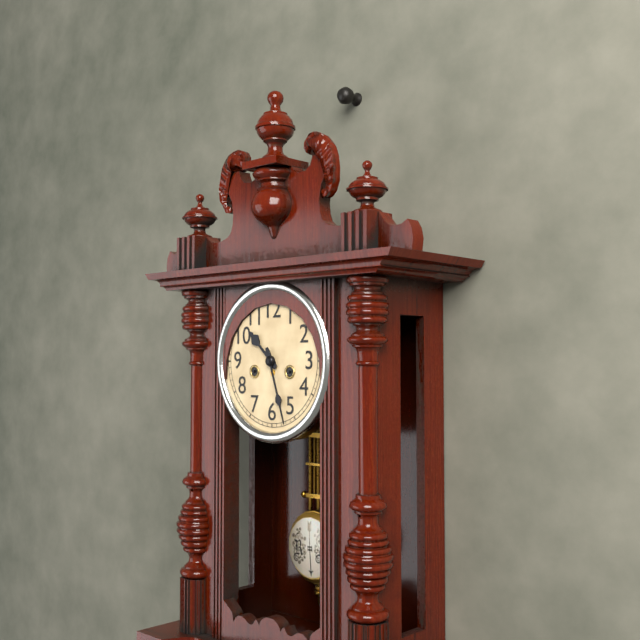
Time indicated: 10:27
